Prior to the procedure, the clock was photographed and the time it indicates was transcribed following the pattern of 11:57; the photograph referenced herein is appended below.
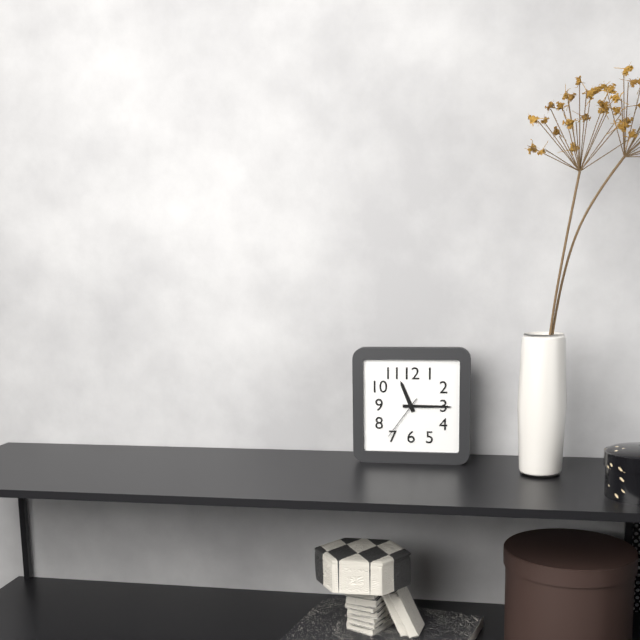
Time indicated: 11:15
